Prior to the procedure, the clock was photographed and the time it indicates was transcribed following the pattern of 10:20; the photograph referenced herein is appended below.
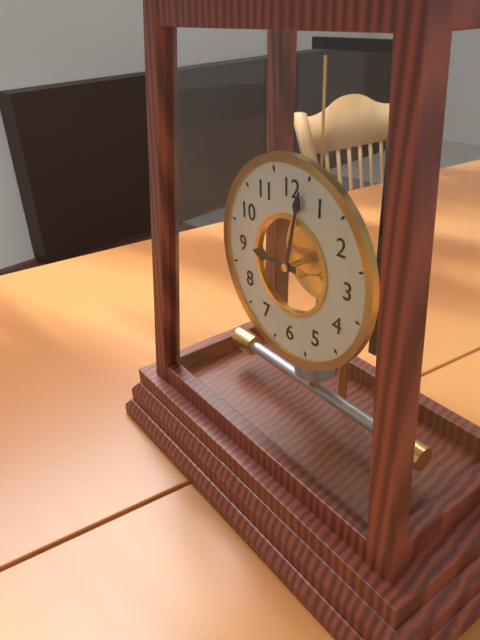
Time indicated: 9:02
